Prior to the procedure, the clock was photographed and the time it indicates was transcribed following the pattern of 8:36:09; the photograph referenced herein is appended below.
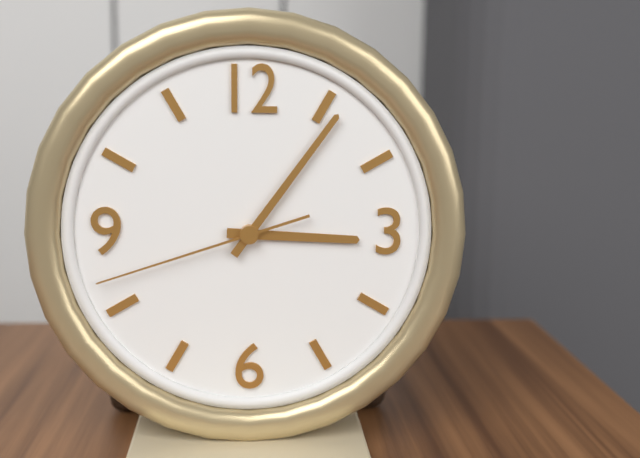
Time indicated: 3:06:42
